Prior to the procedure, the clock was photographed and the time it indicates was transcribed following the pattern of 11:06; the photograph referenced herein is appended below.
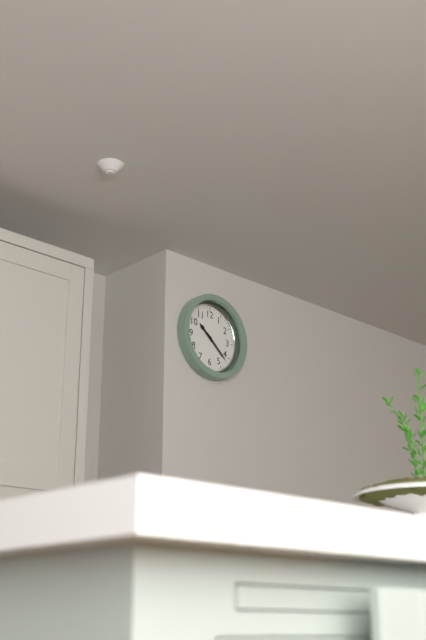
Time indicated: 10:22
